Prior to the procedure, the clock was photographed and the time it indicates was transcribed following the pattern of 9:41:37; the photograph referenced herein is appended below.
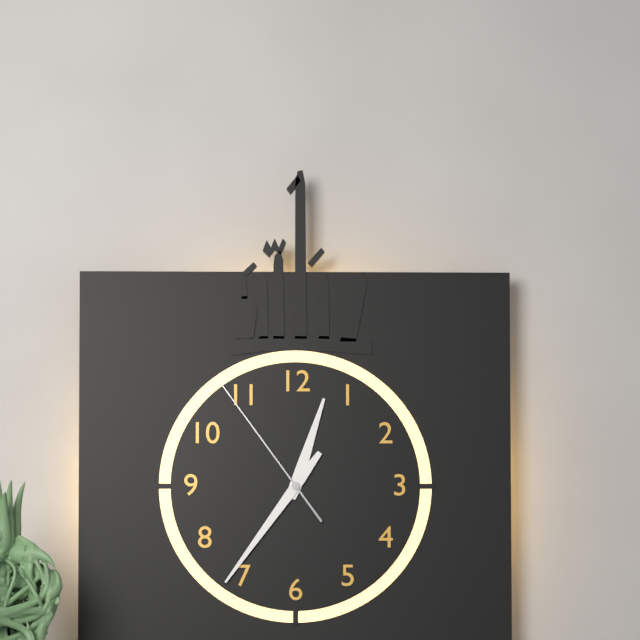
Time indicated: 12:36:54
